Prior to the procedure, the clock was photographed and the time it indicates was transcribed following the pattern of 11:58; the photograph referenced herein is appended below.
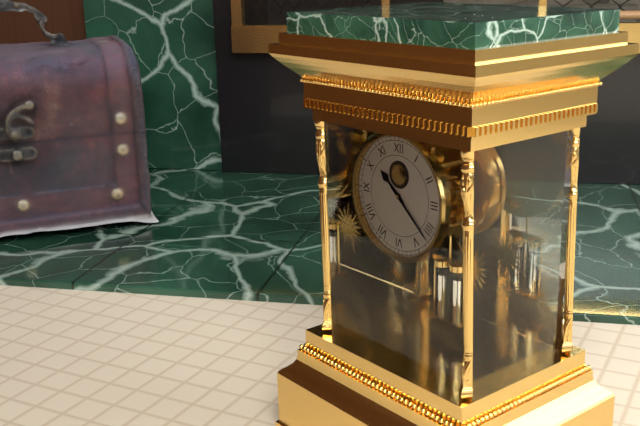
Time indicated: 10:22
